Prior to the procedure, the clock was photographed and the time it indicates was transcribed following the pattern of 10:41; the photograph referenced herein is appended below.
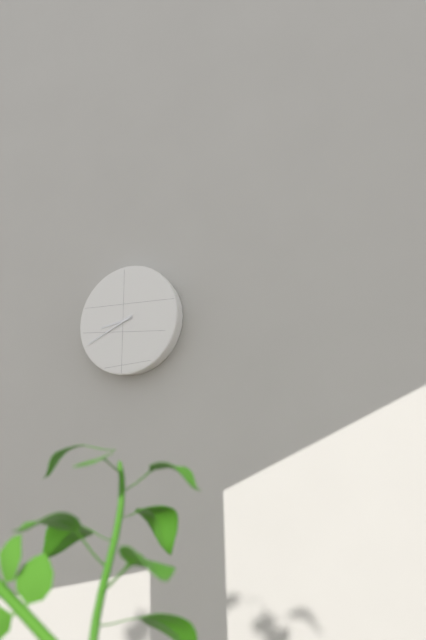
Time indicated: 8:41
